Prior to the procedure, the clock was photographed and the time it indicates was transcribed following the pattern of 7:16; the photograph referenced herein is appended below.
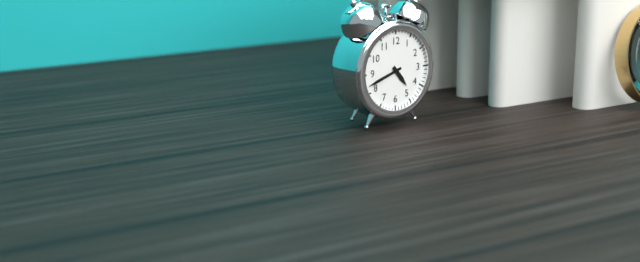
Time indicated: 4:42
